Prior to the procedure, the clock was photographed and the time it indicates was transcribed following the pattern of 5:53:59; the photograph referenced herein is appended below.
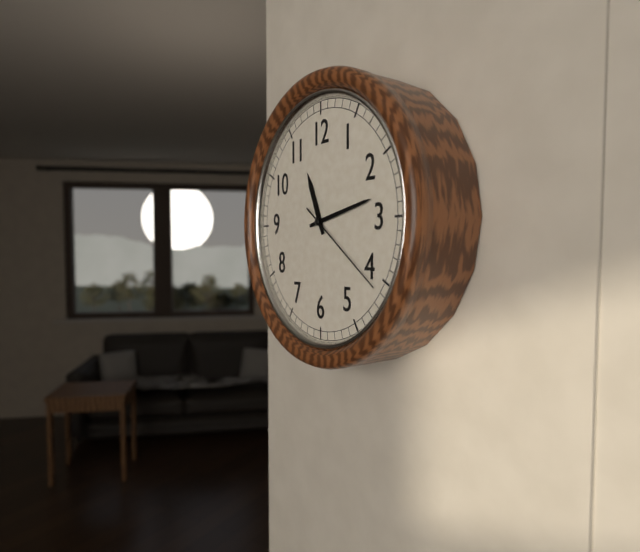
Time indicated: 11:13:21
